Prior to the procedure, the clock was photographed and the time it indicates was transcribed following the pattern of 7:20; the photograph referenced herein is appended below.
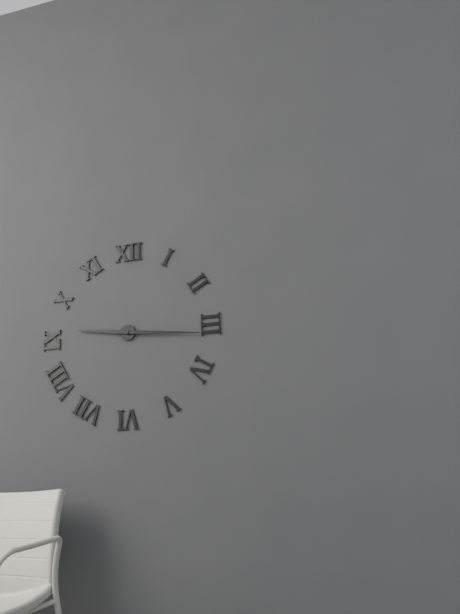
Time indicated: 9:16
